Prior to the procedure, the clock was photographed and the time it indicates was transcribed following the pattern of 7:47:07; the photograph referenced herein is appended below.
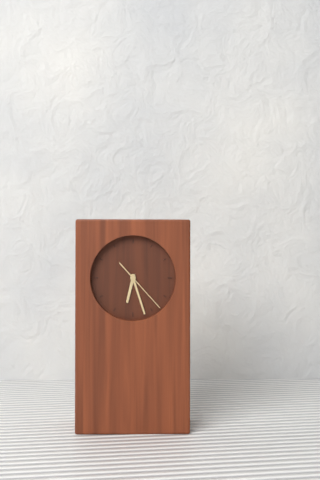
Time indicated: 6:27:23
